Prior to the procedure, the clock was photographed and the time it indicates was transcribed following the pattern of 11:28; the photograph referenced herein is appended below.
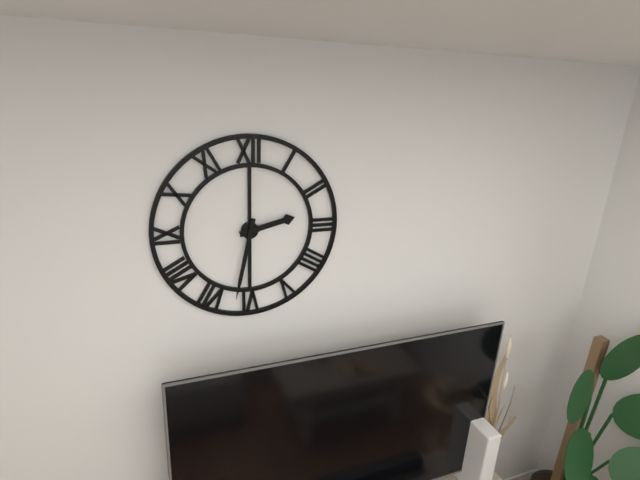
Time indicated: 2:32
